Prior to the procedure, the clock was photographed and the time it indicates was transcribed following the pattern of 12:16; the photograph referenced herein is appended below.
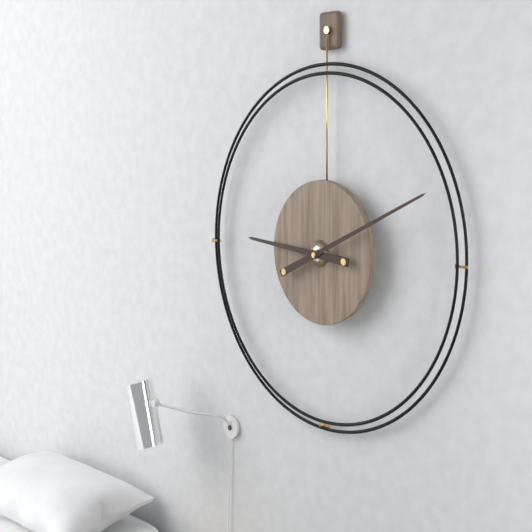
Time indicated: 9:11
